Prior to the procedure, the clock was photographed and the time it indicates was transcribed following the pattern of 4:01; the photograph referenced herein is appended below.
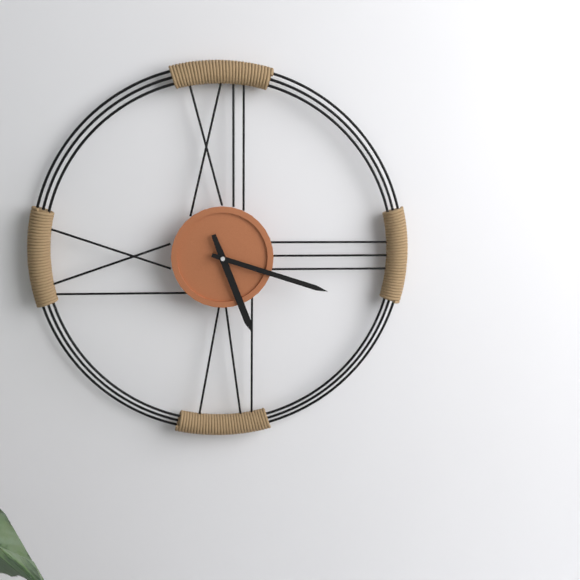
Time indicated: 5:18
